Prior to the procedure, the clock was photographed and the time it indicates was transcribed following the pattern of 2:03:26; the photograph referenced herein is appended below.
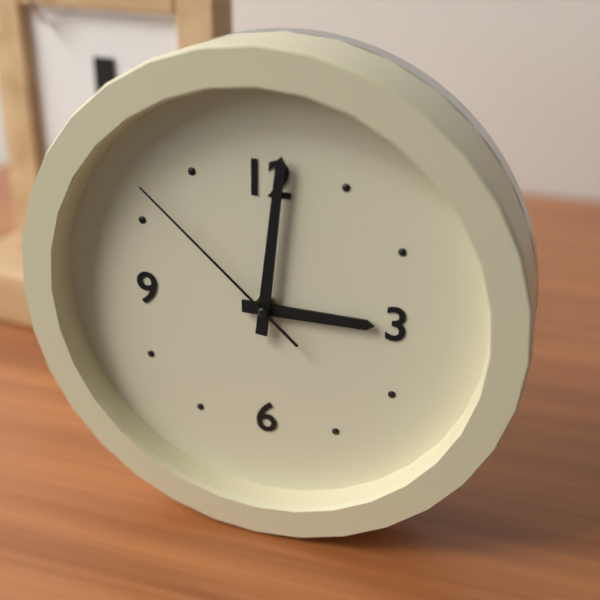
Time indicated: 3:01:52
